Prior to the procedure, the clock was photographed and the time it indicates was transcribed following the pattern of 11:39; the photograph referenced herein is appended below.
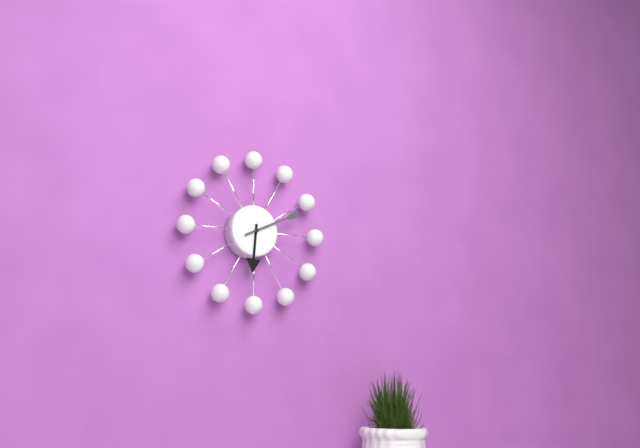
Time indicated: 6:11
